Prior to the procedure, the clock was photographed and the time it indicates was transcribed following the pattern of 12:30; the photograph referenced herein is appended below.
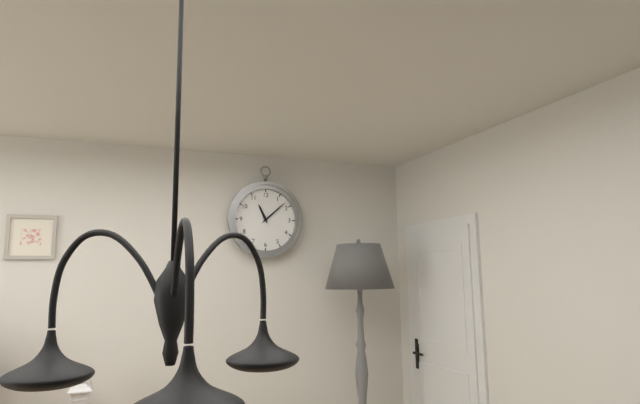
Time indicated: 11:08
